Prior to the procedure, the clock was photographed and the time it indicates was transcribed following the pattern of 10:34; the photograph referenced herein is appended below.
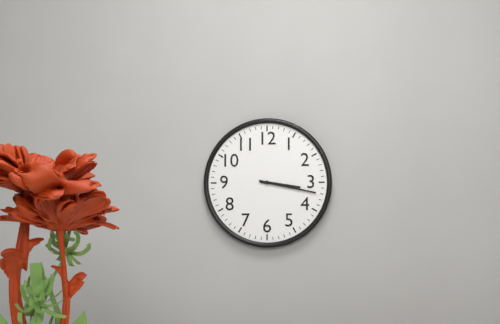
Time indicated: 3:17
